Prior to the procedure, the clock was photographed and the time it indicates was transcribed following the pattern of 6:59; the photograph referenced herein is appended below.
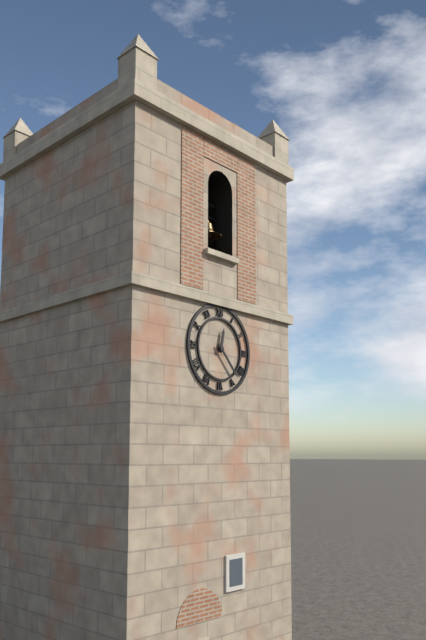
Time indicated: 12:23
